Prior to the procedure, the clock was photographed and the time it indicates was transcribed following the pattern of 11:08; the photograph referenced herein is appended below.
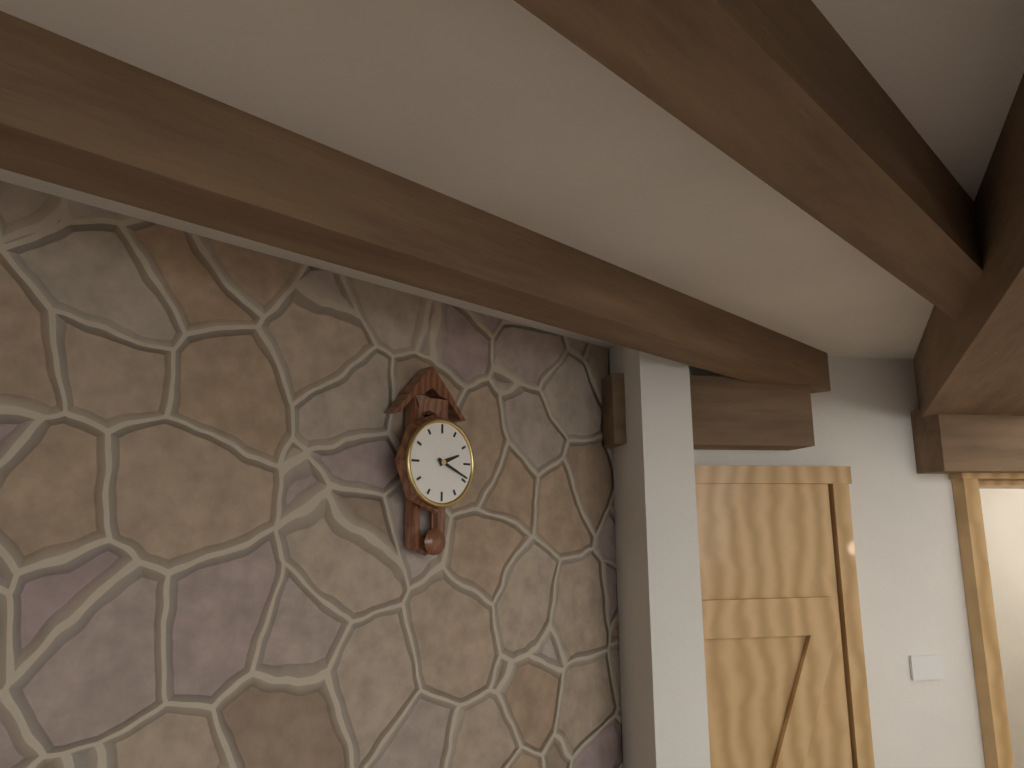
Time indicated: 2:19
